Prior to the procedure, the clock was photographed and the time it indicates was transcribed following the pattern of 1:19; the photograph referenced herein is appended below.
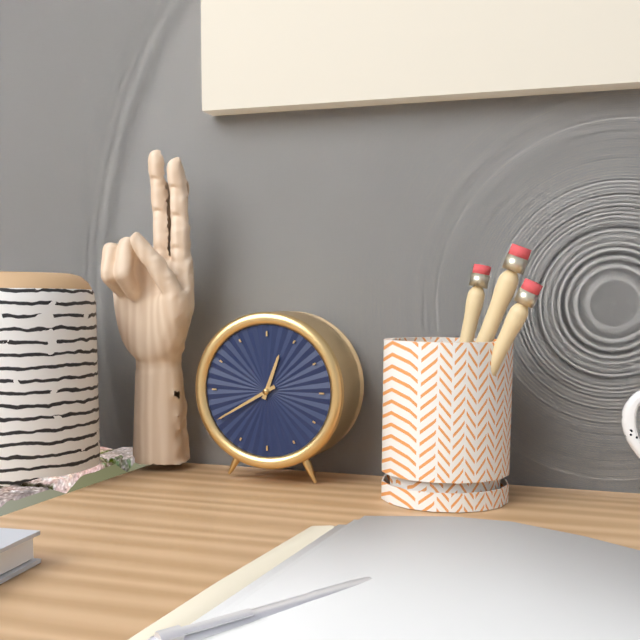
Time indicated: 12:40
